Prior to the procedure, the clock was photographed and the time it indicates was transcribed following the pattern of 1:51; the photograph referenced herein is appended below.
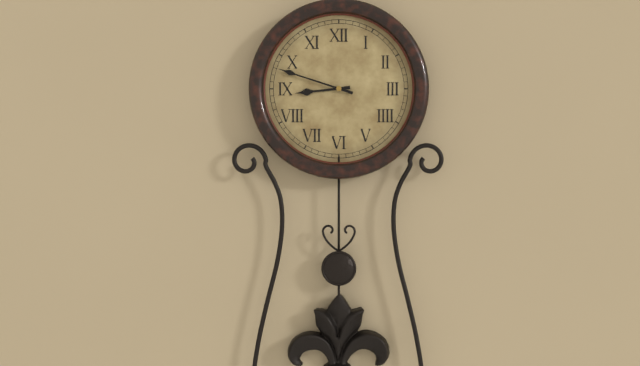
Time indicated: 8:48
